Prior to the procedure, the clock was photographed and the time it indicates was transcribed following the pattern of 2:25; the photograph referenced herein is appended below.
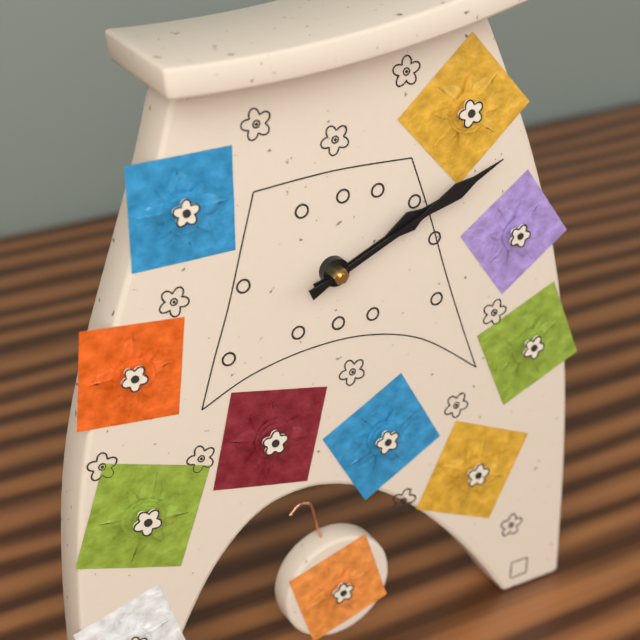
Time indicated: 2:11
